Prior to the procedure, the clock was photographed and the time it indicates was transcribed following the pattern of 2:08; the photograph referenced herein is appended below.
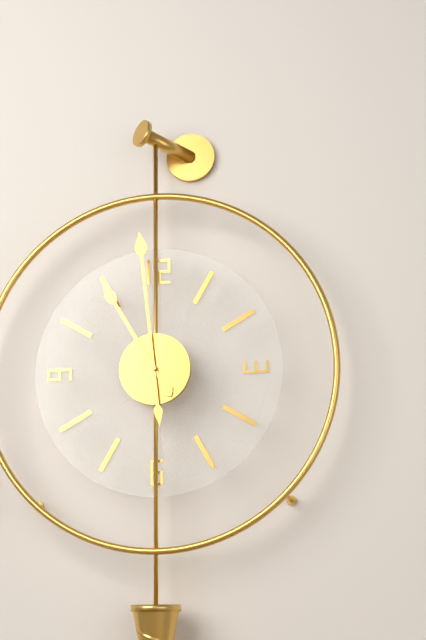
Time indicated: 10:59
